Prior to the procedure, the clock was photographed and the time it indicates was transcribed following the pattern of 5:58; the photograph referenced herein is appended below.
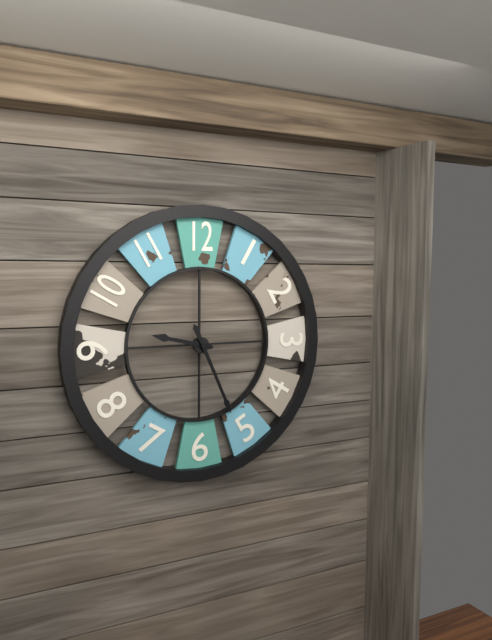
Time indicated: 9:26
